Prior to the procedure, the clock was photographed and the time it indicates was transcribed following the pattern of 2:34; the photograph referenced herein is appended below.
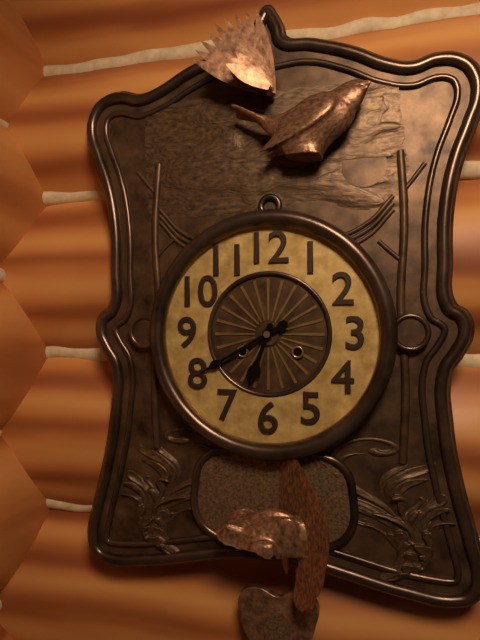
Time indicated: 6:40
